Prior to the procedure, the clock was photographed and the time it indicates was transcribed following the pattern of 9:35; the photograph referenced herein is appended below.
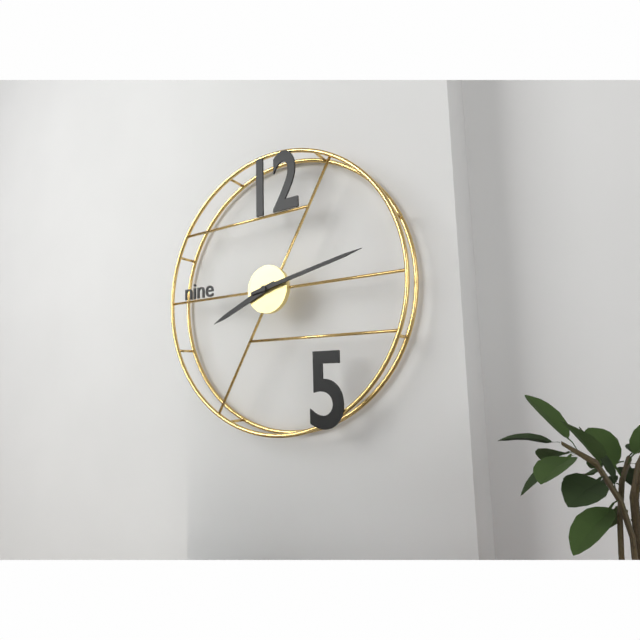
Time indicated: 8:13
